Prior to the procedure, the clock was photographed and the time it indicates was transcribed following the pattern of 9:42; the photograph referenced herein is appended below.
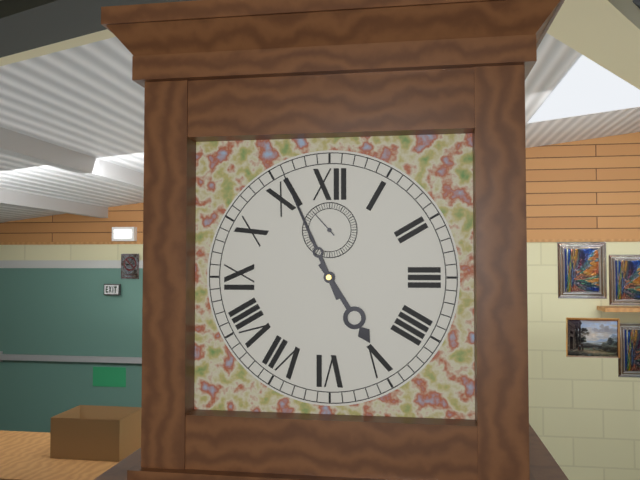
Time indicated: 4:56
